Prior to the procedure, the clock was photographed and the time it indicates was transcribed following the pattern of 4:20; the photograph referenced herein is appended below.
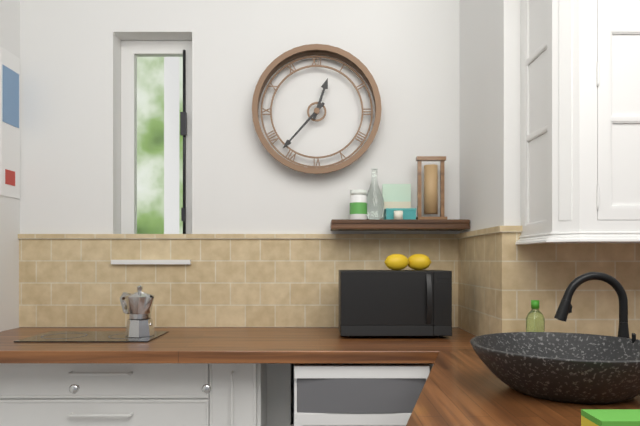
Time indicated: 12:37
